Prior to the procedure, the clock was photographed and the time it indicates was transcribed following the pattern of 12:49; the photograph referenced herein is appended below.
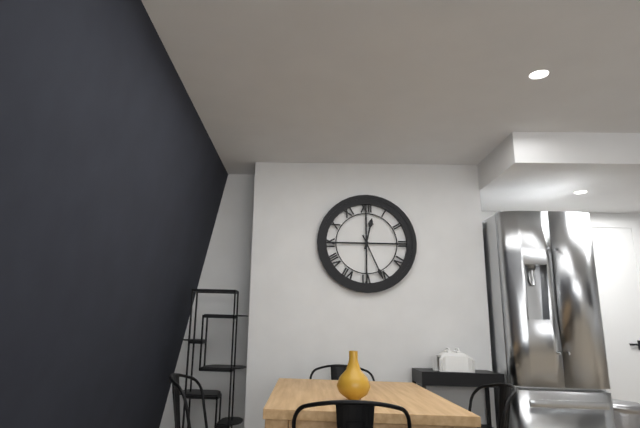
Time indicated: 12:26
